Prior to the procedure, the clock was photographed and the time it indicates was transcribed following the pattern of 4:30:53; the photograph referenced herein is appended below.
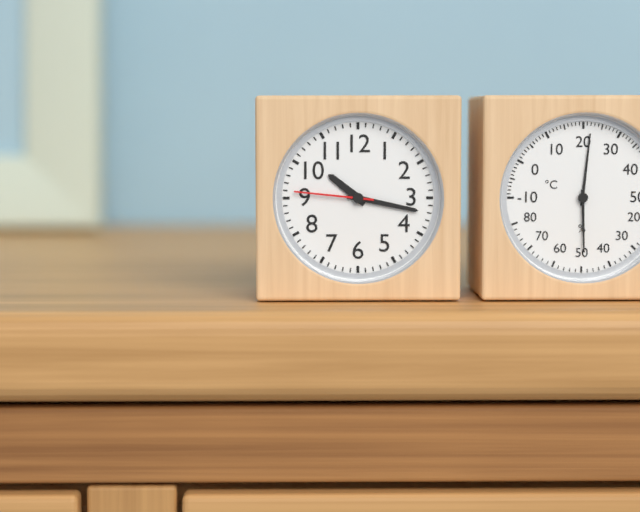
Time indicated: 10:17:46
